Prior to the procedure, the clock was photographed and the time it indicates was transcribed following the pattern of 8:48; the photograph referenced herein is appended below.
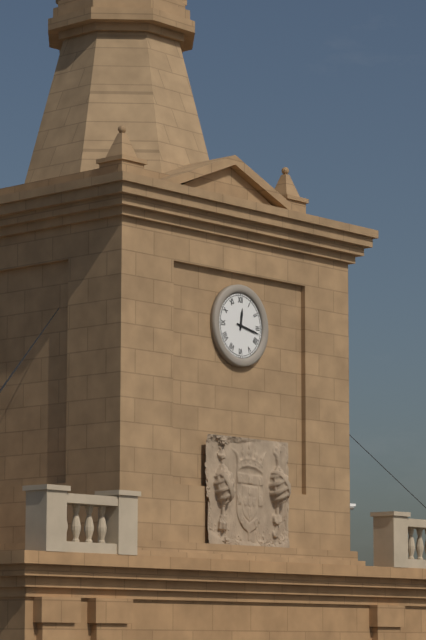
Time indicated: 12:17
